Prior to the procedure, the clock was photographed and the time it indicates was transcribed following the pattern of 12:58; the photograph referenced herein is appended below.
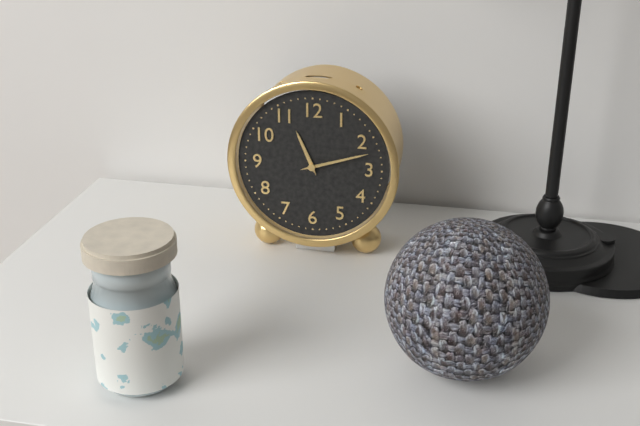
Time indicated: 11:12
